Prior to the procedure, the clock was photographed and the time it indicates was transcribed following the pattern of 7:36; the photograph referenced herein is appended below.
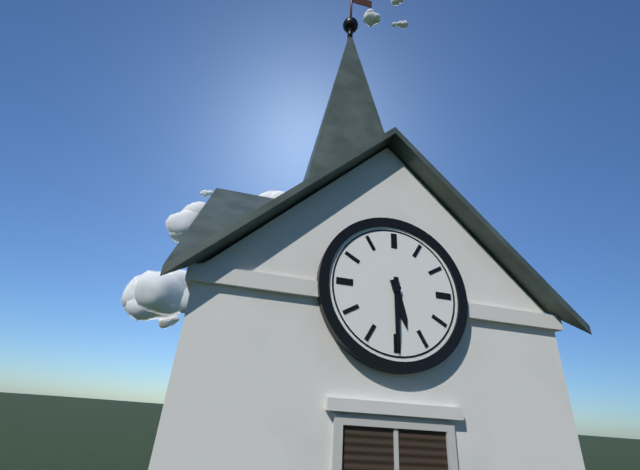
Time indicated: 5:30
